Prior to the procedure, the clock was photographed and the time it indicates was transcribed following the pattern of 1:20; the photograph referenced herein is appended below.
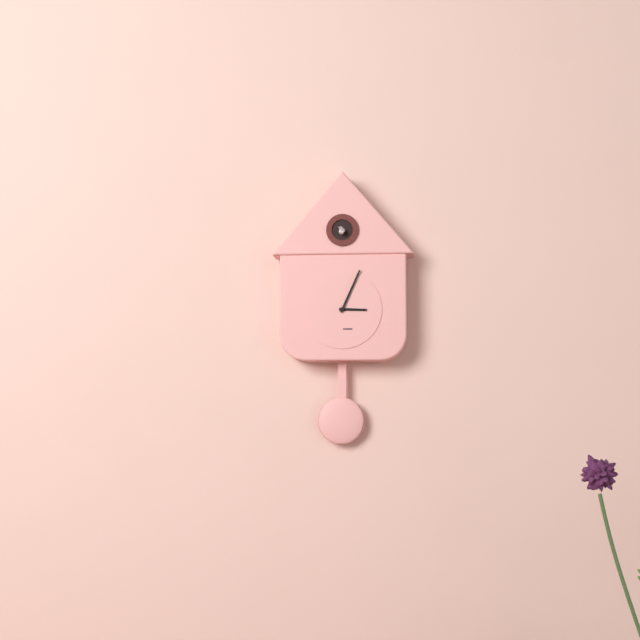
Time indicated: 3:04
